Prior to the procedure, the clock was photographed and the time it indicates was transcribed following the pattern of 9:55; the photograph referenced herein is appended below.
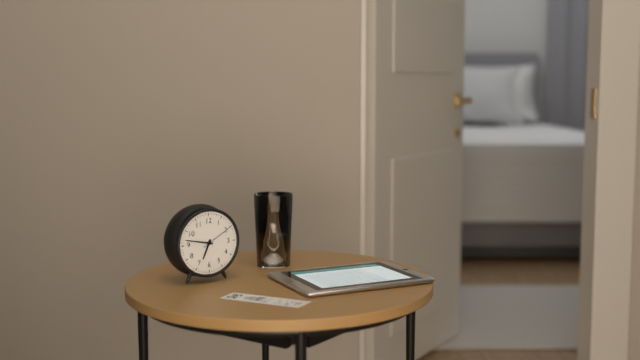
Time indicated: 6:47
